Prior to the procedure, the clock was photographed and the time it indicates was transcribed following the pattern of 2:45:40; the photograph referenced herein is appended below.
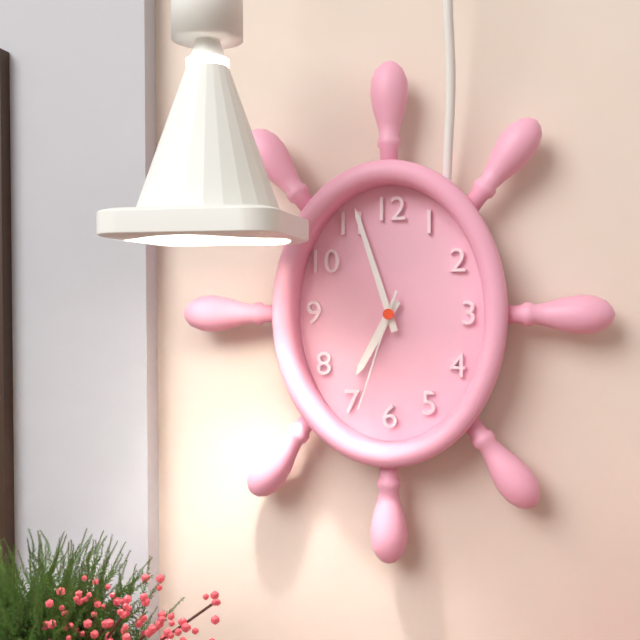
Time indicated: 6:57:33
